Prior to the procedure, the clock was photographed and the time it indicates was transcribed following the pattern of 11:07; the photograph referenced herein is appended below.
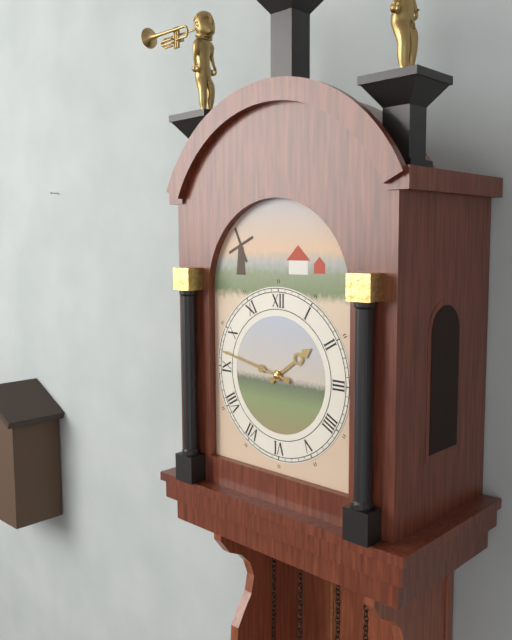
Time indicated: 1:47
